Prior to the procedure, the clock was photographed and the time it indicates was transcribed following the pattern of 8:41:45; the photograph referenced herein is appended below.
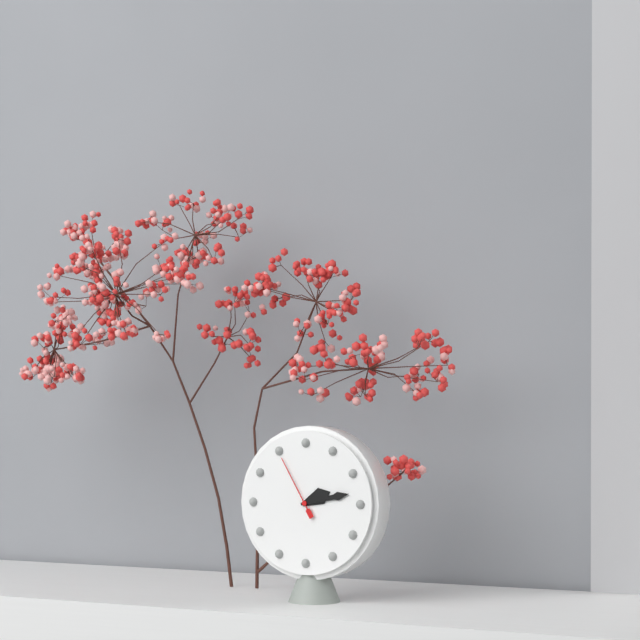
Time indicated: 2:13:55
